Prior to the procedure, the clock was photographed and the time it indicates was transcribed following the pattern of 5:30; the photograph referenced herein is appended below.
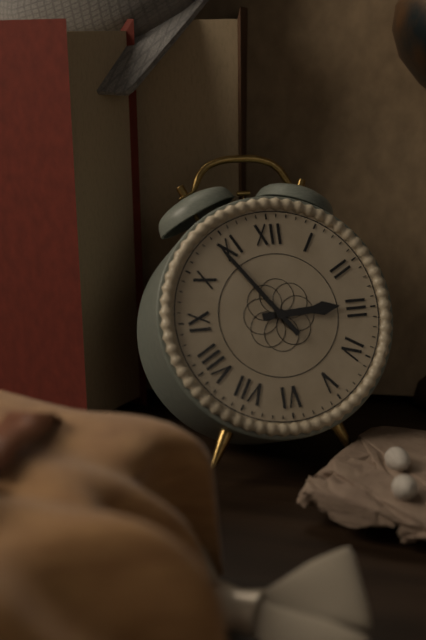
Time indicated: 2:54
